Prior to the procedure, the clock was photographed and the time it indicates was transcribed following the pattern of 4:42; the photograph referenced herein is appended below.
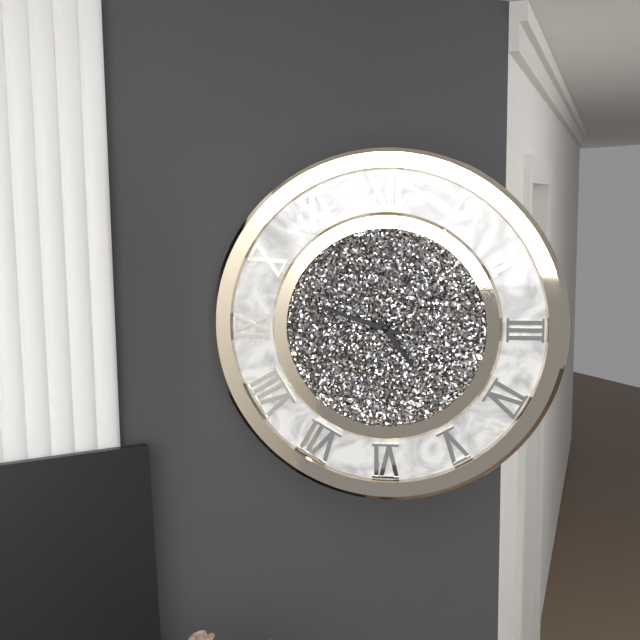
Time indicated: 4:48
